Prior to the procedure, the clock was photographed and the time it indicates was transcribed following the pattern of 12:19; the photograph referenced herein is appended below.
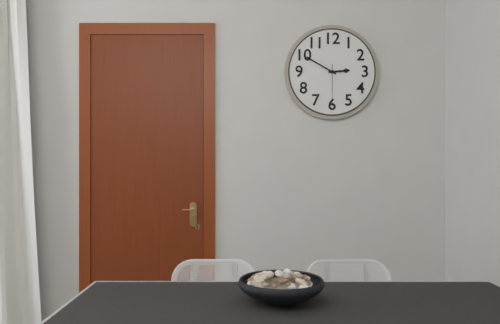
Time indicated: 2:50
